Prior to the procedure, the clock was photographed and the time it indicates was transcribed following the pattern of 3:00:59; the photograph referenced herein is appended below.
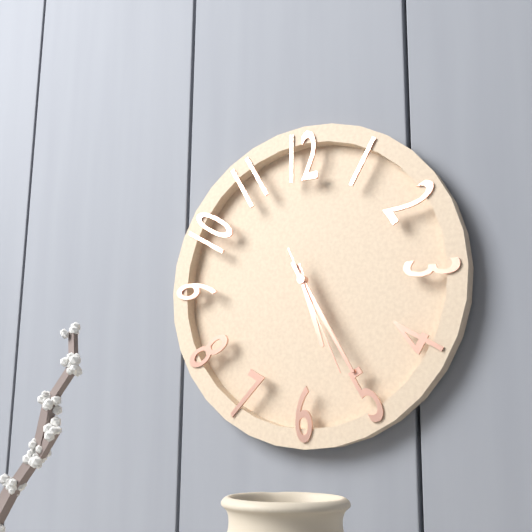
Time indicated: 5:25:26
